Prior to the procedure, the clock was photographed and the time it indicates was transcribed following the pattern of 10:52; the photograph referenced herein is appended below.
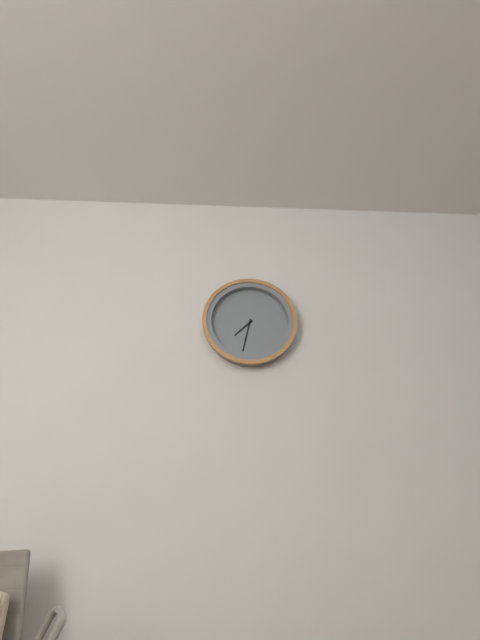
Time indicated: 7:32
